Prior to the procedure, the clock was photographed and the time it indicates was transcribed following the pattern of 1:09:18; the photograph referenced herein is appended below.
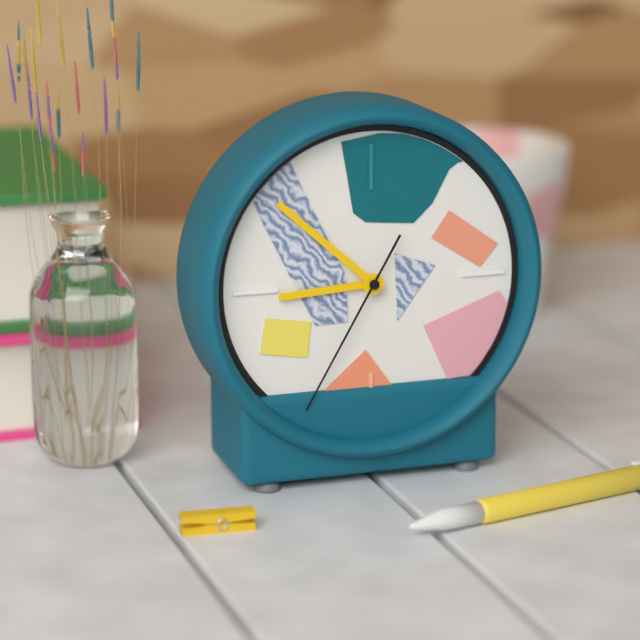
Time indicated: 8:52:35
